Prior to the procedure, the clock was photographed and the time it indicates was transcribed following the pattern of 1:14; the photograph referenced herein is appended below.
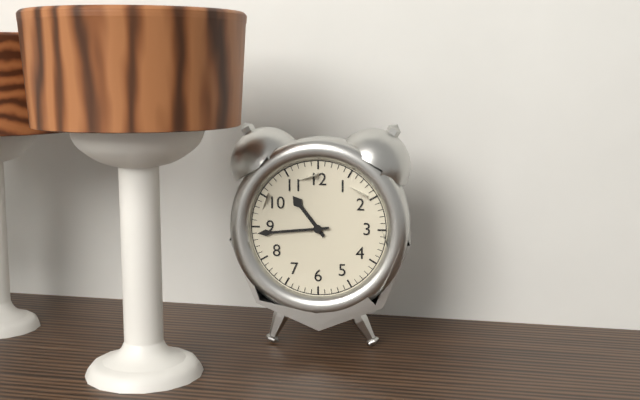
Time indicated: 10:44
